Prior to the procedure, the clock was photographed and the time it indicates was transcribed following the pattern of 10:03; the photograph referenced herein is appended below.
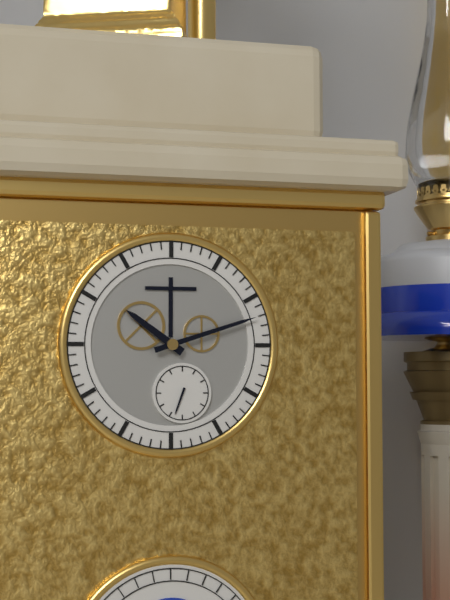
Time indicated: 10:12
